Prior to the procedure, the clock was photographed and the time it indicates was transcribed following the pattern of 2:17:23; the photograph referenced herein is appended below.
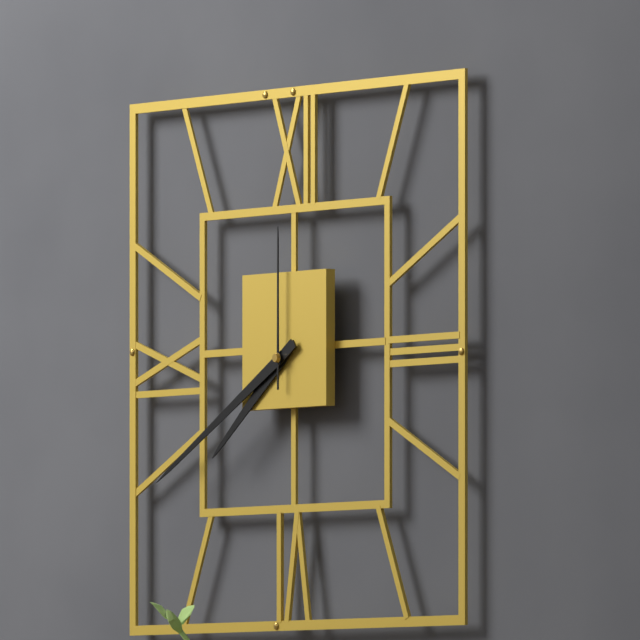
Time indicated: 7:40:00
